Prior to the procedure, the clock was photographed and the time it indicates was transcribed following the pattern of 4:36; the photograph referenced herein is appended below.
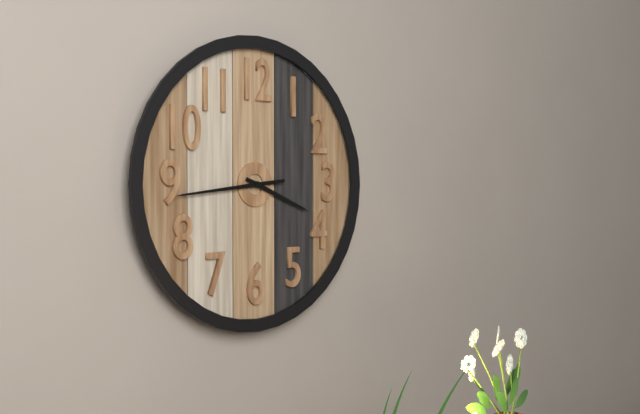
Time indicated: 3:44
